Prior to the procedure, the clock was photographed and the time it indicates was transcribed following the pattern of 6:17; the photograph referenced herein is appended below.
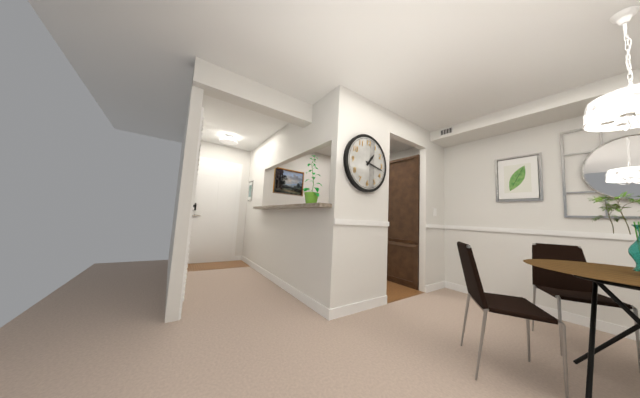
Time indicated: 1:17
